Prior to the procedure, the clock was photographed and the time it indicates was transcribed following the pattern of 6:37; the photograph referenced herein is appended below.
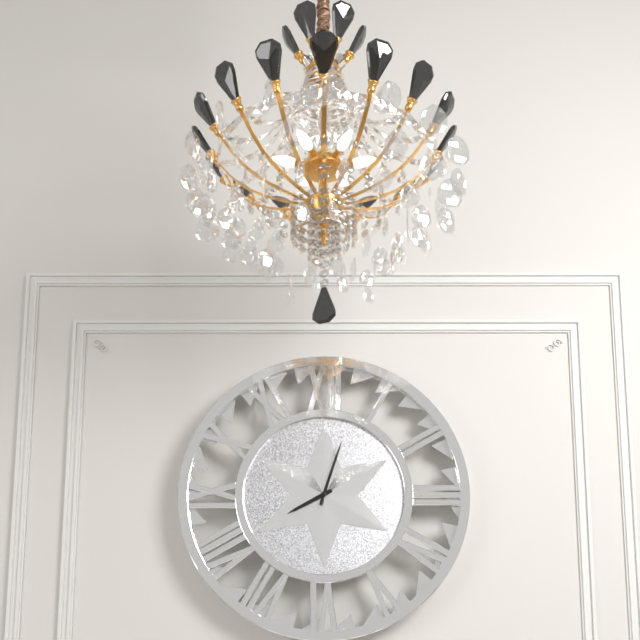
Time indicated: 8:03
